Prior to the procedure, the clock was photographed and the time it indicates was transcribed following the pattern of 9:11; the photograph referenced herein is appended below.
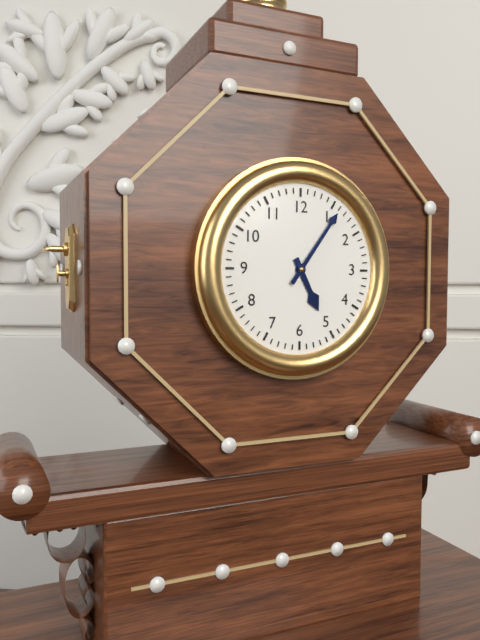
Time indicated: 5:06
